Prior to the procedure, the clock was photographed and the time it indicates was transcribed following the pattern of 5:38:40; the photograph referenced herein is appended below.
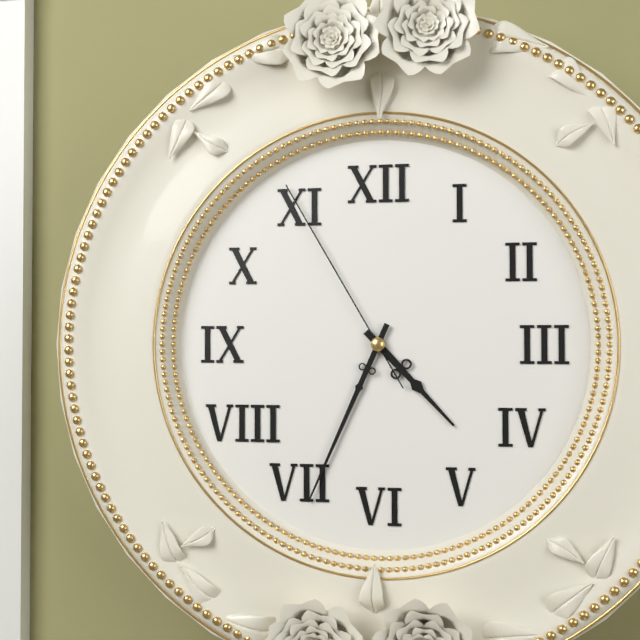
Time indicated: 4:34:55
